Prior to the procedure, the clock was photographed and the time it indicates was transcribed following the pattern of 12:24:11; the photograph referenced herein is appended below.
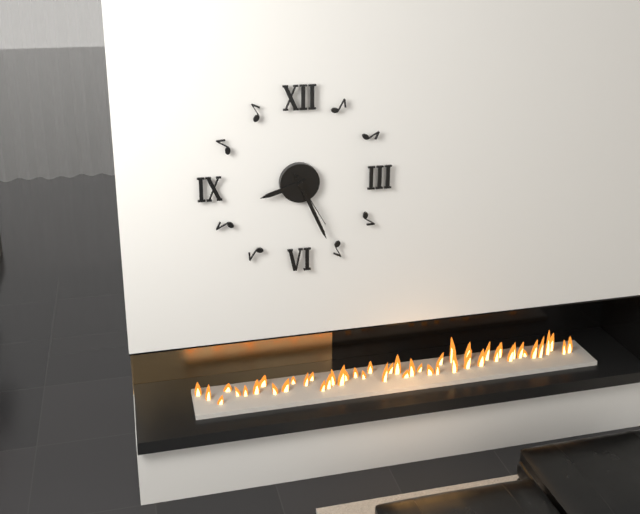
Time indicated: 8:26:25
